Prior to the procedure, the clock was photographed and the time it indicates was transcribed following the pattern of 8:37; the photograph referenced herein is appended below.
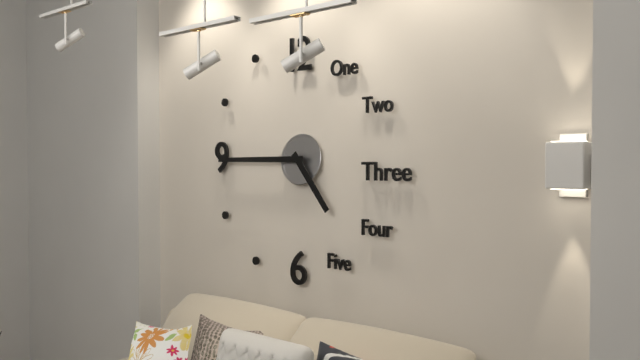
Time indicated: 4:45
